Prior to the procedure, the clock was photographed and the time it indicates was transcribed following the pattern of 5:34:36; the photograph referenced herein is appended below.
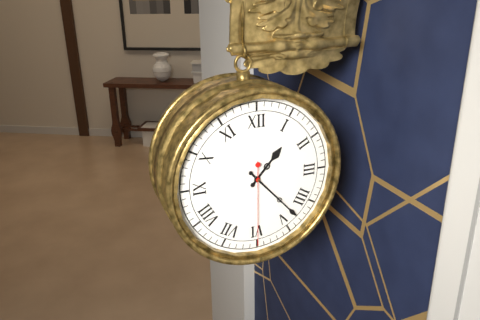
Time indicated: 1:23:30
